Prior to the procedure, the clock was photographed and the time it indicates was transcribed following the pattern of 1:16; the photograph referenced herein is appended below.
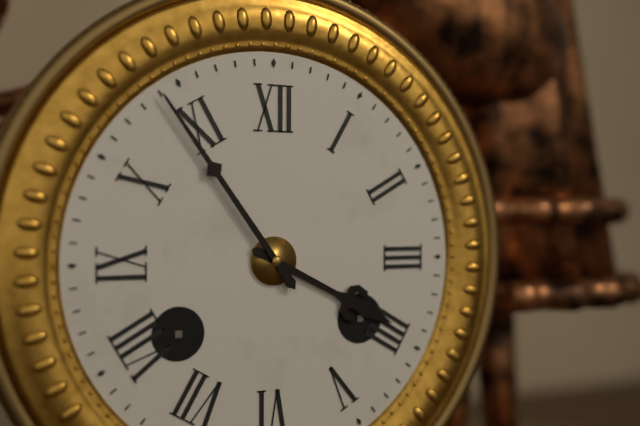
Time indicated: 3:54
